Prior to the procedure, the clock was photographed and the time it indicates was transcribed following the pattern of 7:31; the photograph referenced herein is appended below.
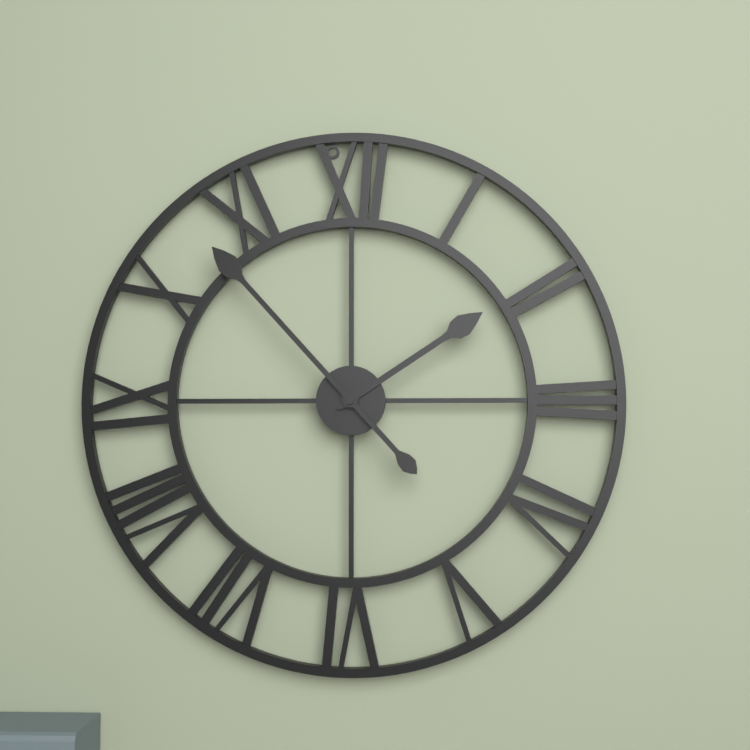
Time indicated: 1:53
